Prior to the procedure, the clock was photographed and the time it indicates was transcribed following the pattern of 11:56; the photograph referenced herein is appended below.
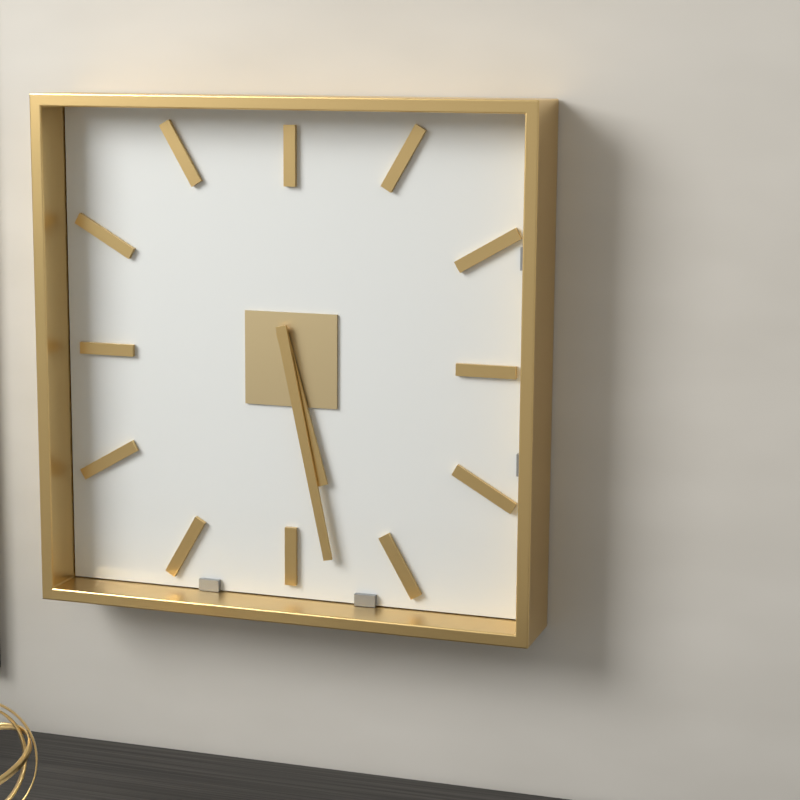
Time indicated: 5:28
